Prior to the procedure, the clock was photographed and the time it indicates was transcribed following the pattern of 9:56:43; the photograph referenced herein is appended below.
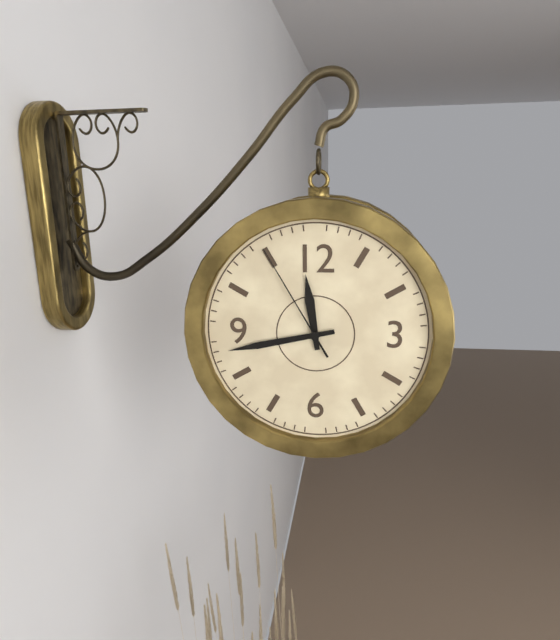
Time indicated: 11:43:55
